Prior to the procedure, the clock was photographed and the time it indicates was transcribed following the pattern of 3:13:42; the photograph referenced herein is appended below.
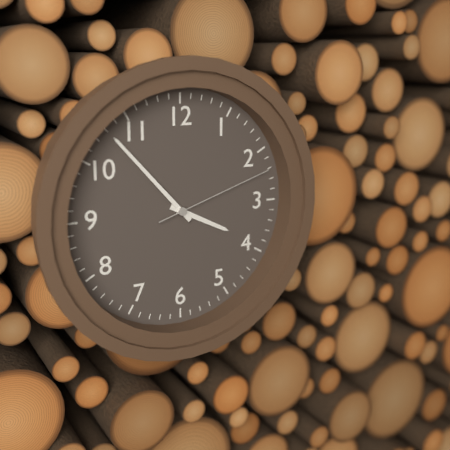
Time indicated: 3:53:12
